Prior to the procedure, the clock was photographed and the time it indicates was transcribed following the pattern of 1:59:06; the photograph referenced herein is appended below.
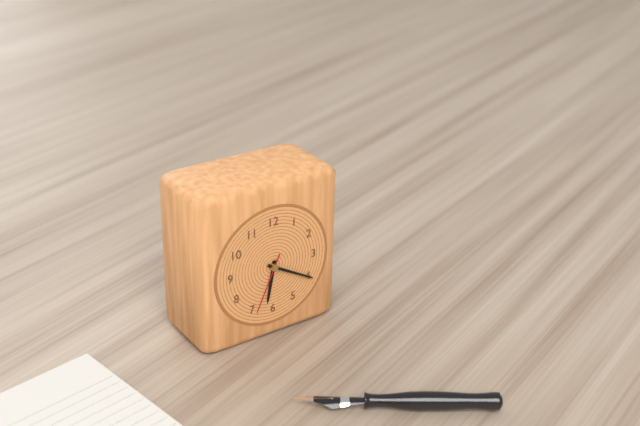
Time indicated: 6:20:34
